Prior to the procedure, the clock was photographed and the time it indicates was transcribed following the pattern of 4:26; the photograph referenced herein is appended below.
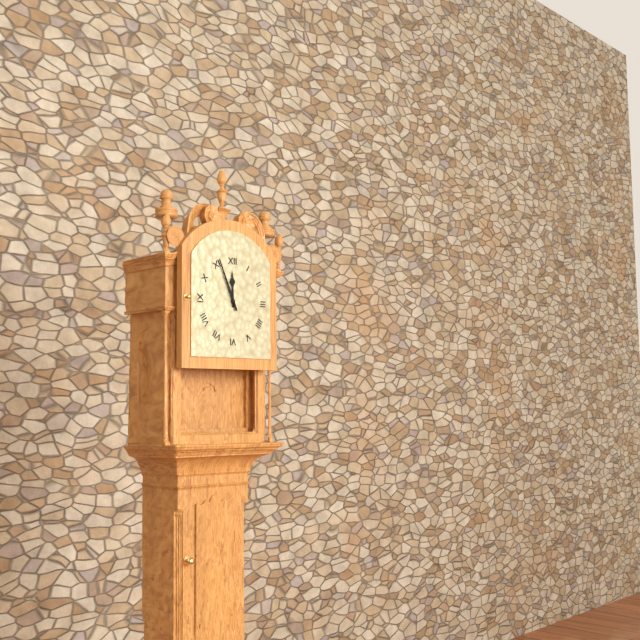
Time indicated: 11:56
